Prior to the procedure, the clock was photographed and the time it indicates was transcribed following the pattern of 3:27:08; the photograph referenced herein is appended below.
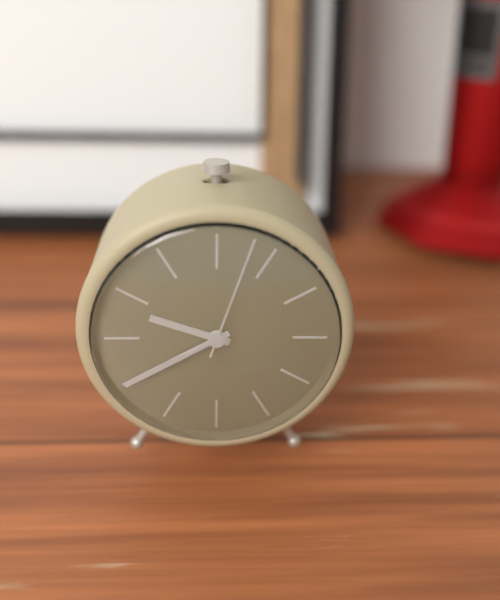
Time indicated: 9:40:03
